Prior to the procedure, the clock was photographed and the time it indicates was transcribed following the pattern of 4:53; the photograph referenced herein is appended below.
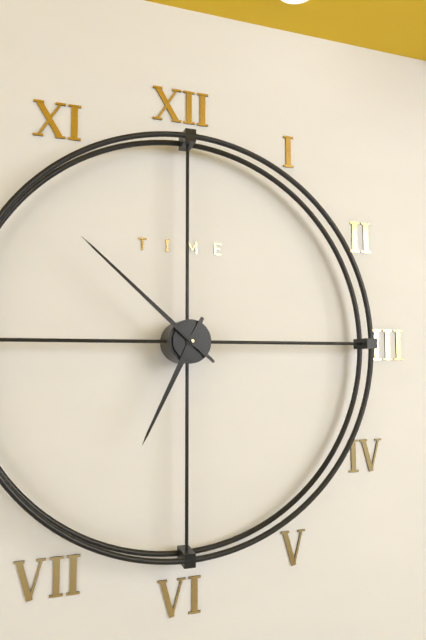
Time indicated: 6:52
